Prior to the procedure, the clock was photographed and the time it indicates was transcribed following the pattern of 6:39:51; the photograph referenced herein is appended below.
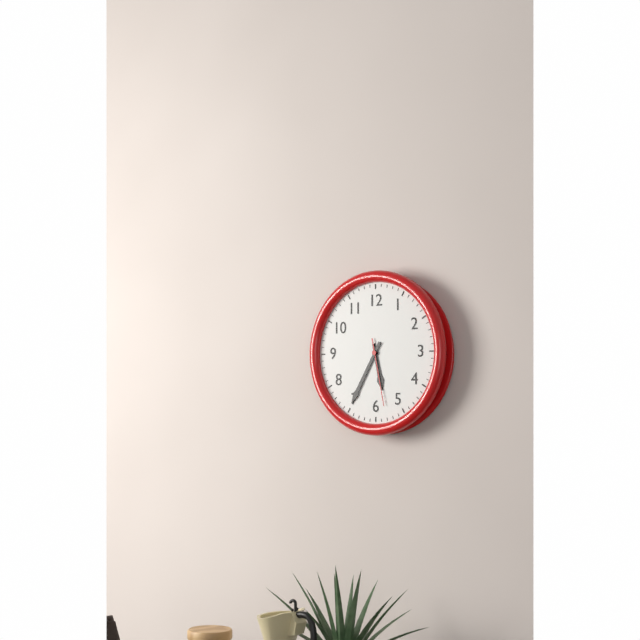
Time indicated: 5:35:28
